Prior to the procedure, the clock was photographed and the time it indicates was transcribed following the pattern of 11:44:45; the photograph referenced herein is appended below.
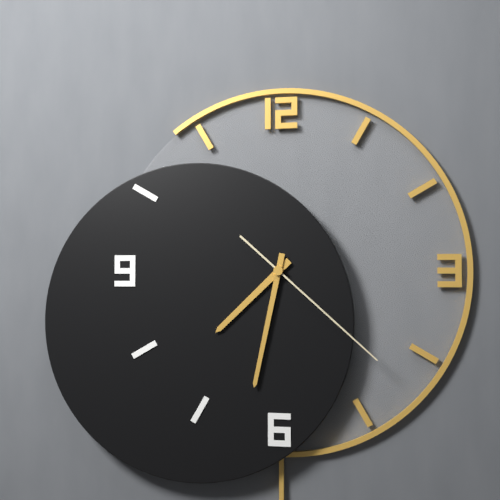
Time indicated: 7:32:22
